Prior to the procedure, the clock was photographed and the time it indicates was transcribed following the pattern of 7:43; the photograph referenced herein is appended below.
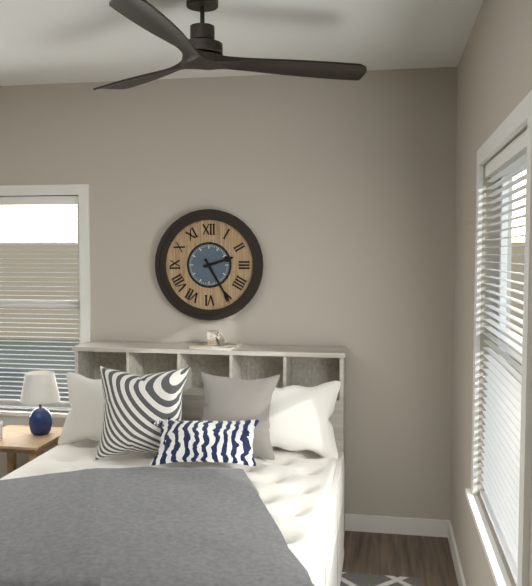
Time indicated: 2:25
